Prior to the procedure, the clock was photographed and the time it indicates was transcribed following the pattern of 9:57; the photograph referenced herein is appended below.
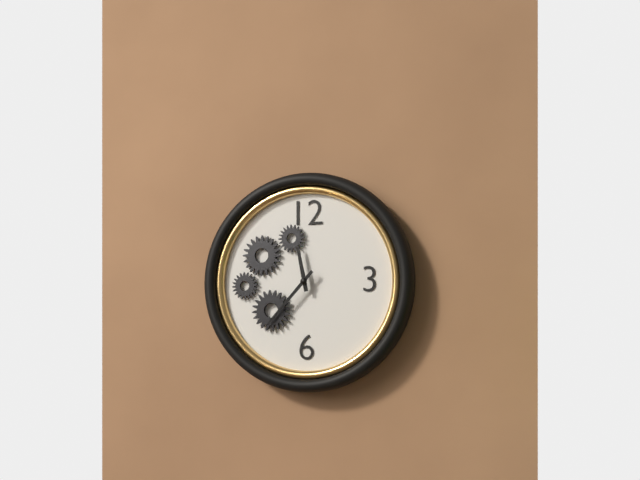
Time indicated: 11:37
